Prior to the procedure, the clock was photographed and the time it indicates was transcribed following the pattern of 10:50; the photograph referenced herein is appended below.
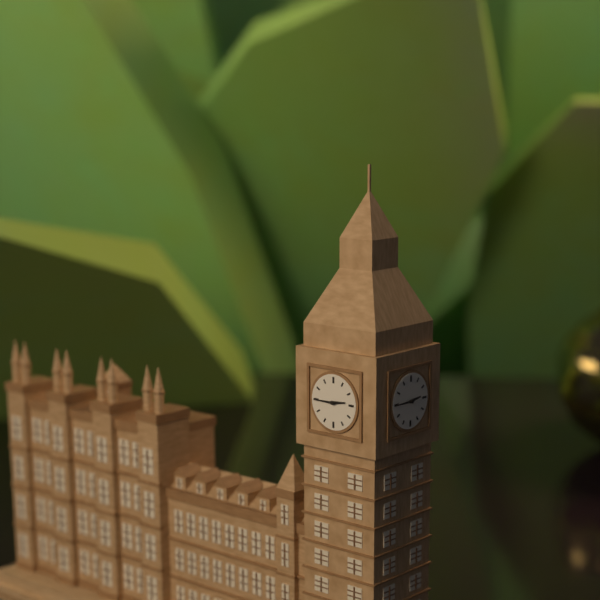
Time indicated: 2:45
